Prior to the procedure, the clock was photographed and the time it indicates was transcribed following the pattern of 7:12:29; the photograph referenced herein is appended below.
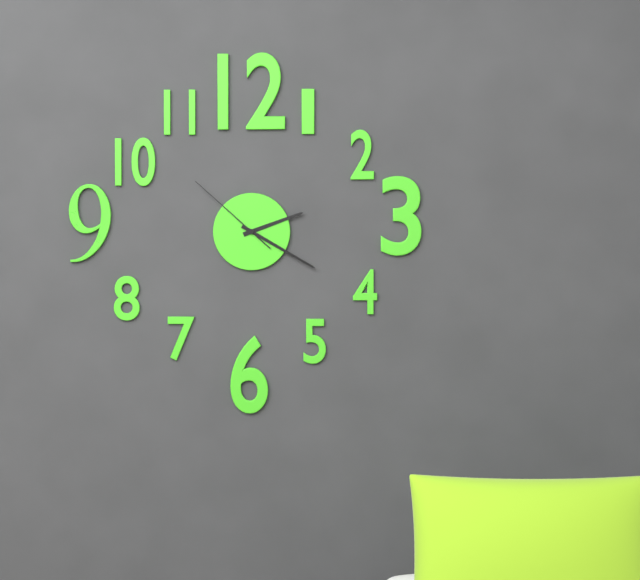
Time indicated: 2:20:52
